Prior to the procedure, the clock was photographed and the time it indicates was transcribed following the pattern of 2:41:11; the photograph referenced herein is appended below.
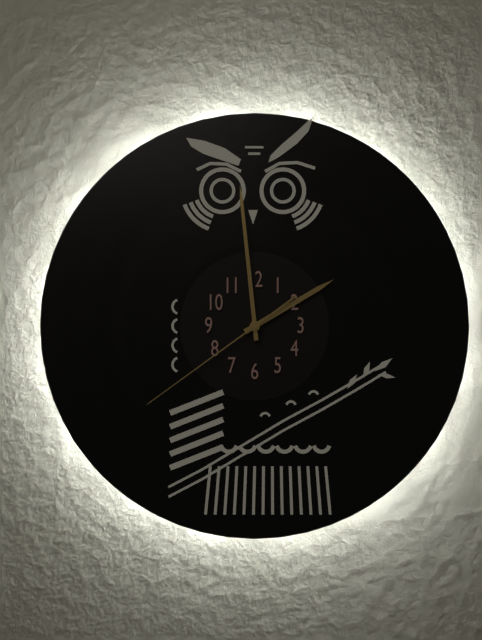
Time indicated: 1:59:39
